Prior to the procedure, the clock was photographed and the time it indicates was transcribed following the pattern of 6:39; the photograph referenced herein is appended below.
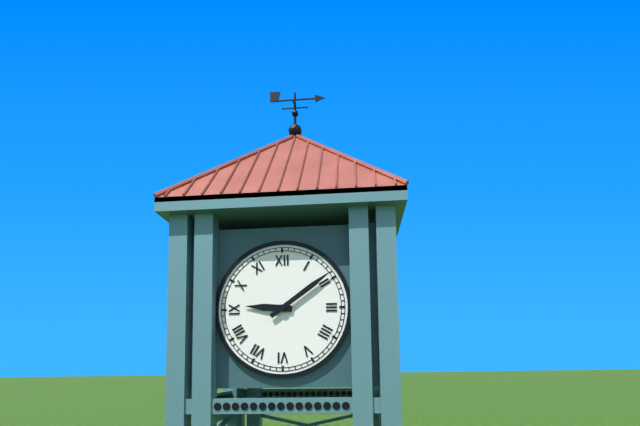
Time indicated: 9:09
